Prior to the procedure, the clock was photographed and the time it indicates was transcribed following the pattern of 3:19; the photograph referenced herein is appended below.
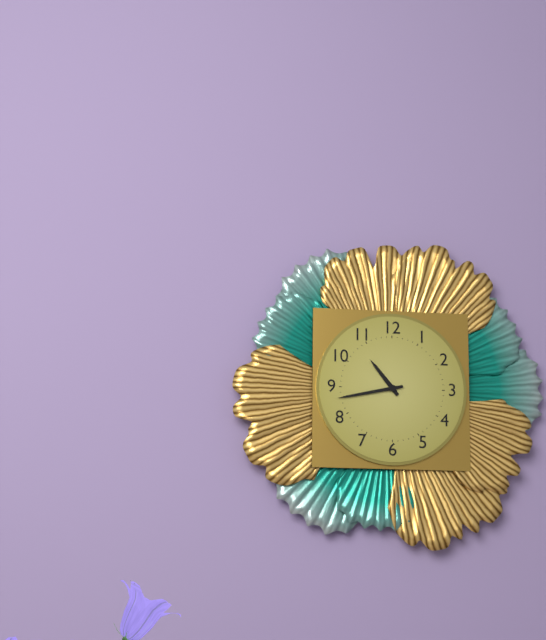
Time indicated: 10:43
